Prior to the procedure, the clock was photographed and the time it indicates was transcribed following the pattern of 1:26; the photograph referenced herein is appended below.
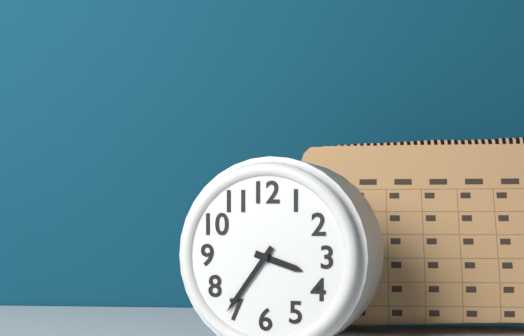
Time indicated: 3:36
